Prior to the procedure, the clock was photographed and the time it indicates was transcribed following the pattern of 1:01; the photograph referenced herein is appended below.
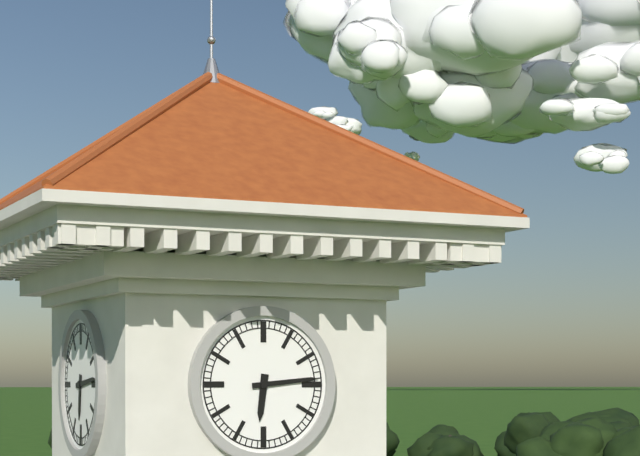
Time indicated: 6:14
